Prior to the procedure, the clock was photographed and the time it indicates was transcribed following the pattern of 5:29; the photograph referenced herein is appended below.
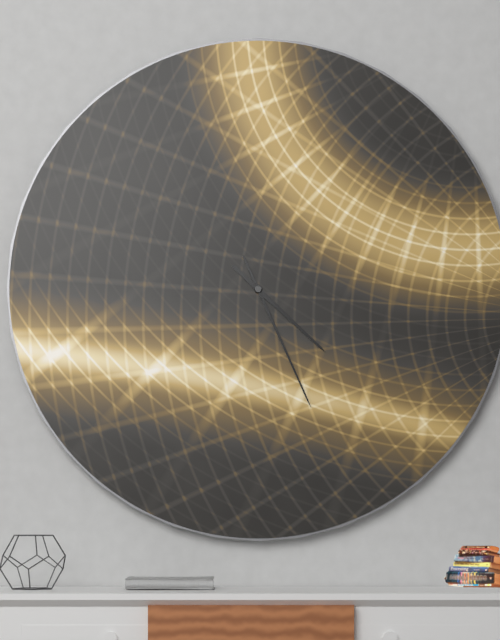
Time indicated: 4:26
